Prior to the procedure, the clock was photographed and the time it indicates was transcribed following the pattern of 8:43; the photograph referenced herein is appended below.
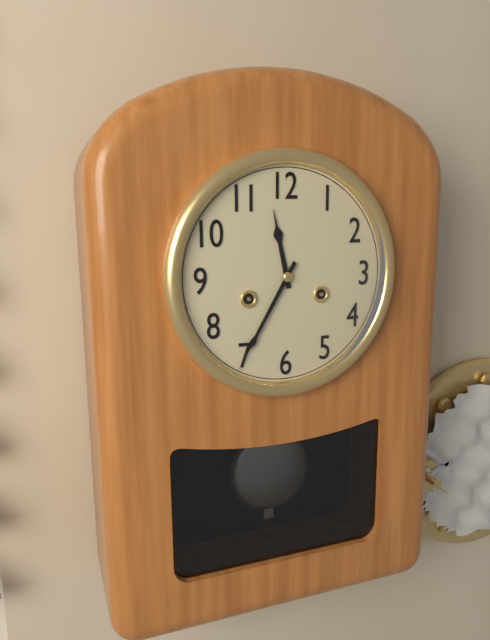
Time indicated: 11:35
